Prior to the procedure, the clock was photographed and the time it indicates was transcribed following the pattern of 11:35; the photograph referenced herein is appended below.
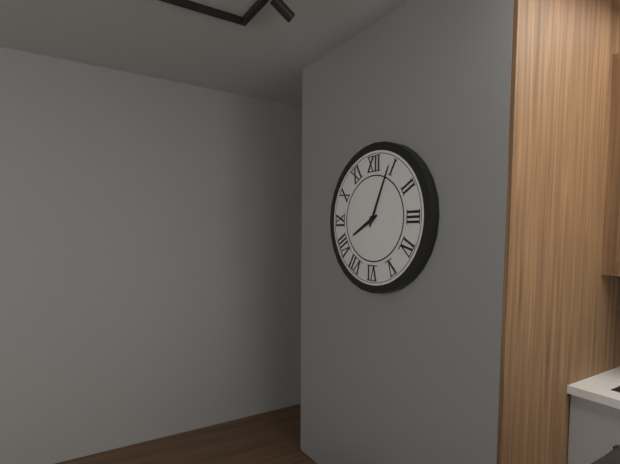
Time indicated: 8:04
